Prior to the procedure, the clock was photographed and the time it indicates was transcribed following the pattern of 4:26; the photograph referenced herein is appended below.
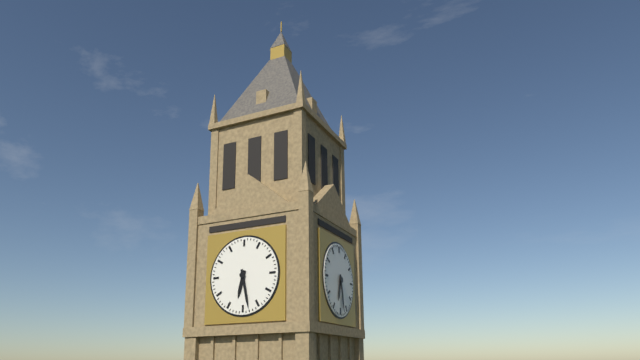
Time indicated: 6:28
